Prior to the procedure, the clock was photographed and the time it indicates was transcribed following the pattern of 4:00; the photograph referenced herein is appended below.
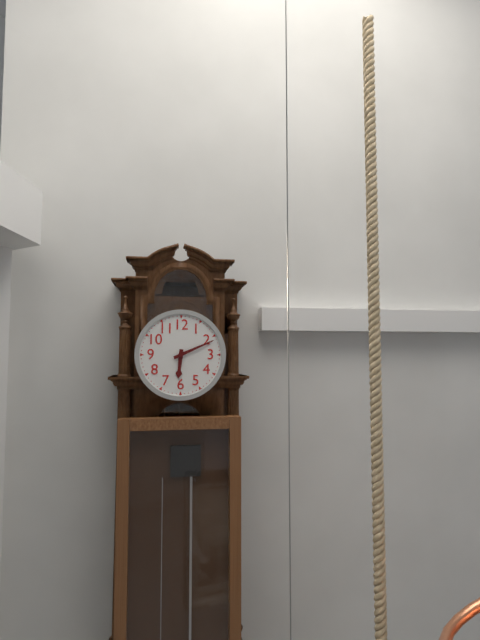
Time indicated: 6:11
